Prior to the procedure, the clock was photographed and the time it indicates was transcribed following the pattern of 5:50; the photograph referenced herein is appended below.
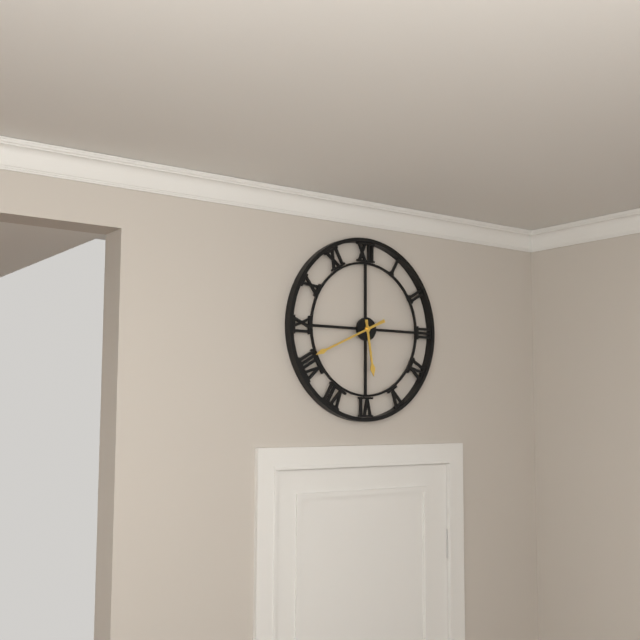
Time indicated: 5:41
